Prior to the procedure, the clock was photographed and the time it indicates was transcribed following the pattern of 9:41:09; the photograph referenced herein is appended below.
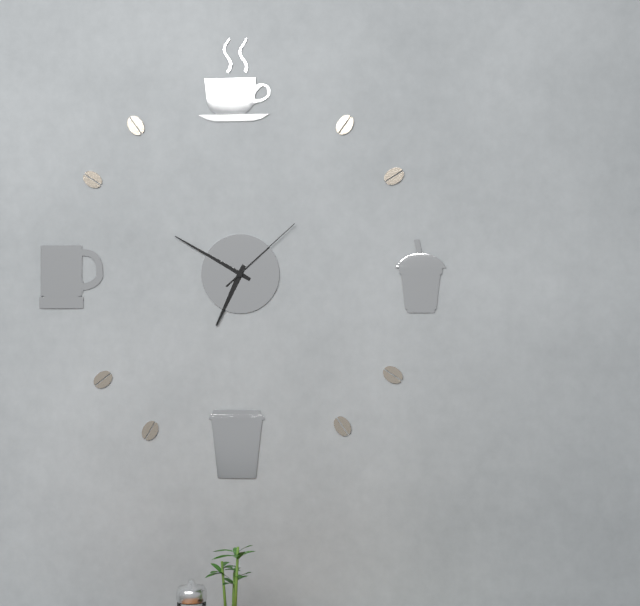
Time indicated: 6:50:08
